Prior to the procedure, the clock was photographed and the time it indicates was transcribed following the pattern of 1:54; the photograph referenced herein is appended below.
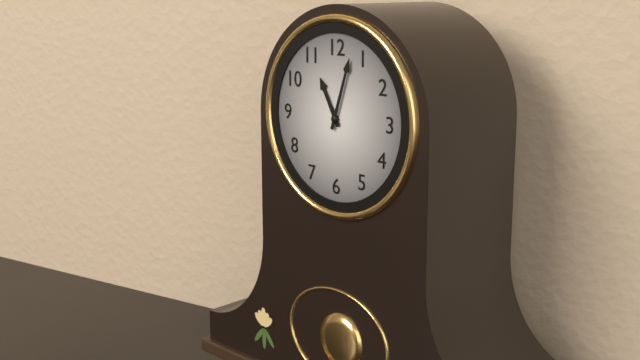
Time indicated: 11:03
